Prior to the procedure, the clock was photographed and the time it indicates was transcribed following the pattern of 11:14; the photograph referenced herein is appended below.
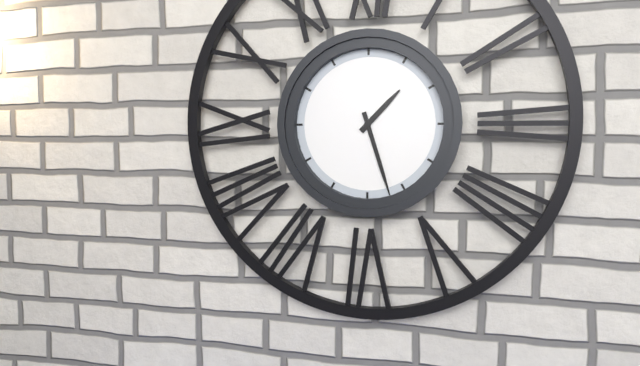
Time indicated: 1:27
